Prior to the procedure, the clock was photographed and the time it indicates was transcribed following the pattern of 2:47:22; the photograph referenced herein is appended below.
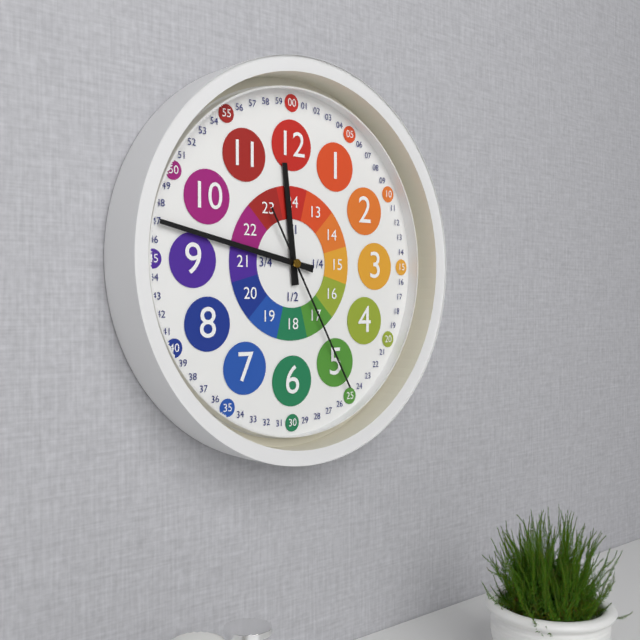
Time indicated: 11:47:25
